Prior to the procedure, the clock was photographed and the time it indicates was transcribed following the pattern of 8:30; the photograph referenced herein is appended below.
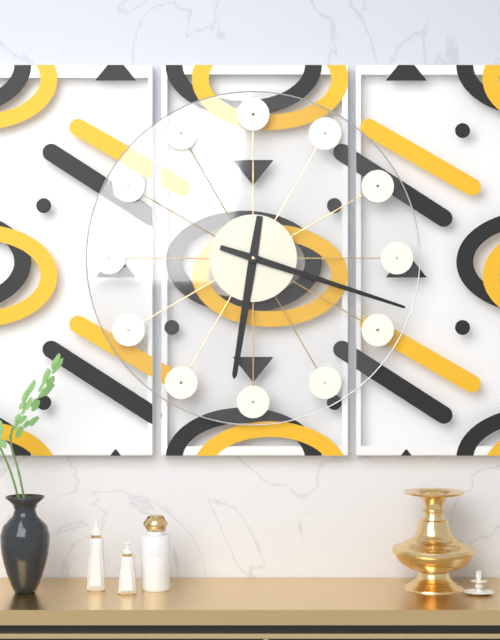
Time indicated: 6:18
